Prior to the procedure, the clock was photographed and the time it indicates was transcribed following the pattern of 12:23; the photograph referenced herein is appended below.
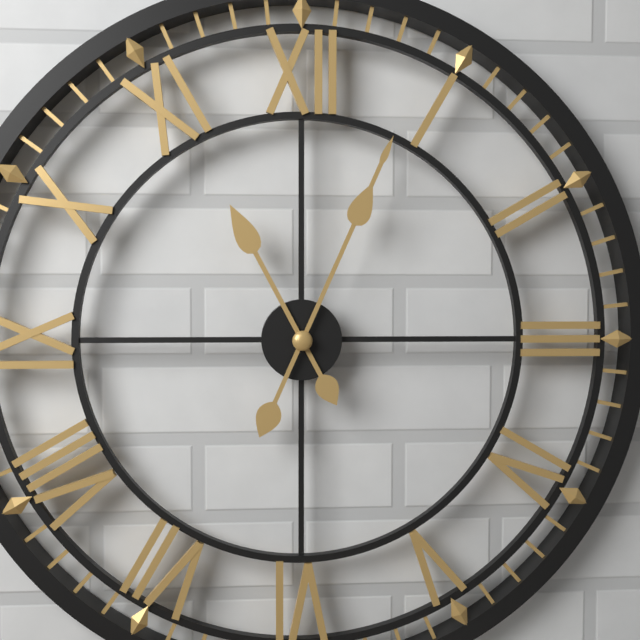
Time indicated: 11:04
